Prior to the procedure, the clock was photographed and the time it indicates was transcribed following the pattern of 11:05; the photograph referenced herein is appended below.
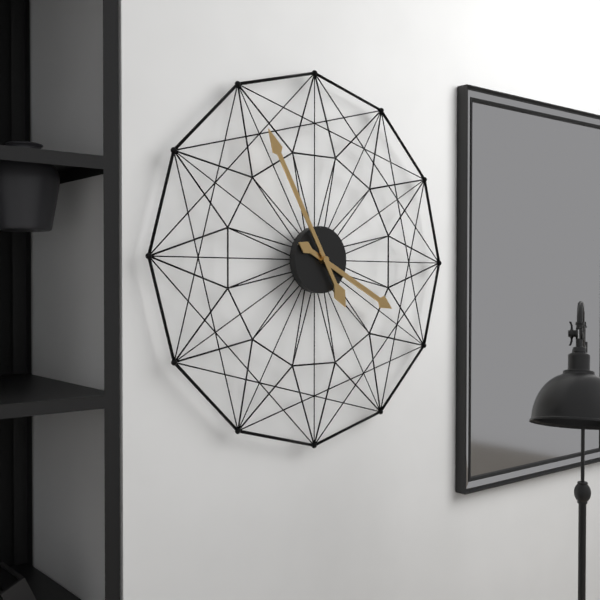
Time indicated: 3:55
